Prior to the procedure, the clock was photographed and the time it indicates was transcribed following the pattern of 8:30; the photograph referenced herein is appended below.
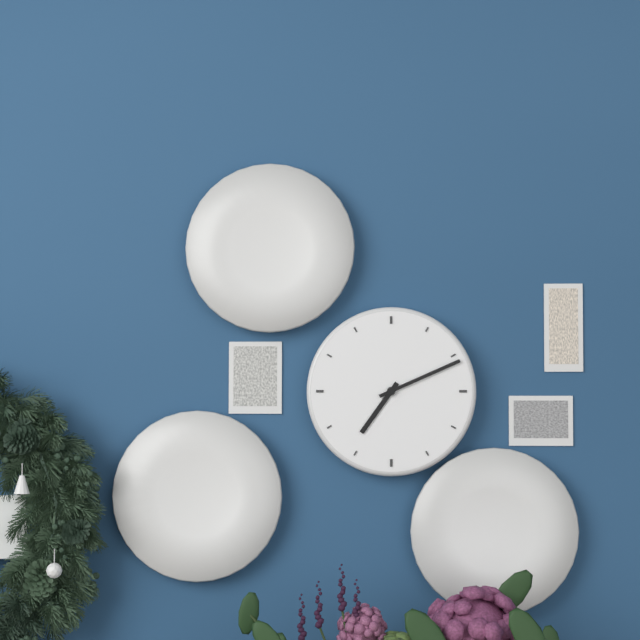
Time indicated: 7:11
